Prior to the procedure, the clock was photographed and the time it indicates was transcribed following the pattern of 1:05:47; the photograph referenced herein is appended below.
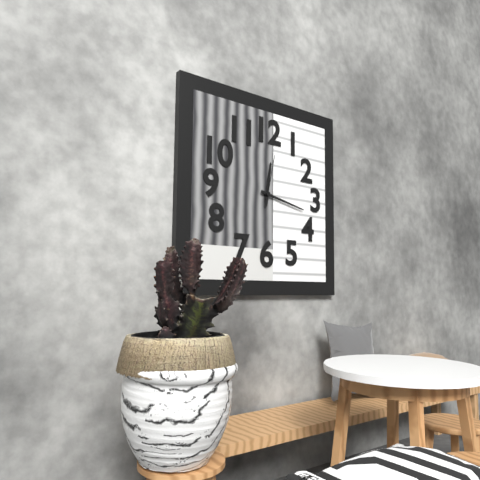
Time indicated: 12:17:02
